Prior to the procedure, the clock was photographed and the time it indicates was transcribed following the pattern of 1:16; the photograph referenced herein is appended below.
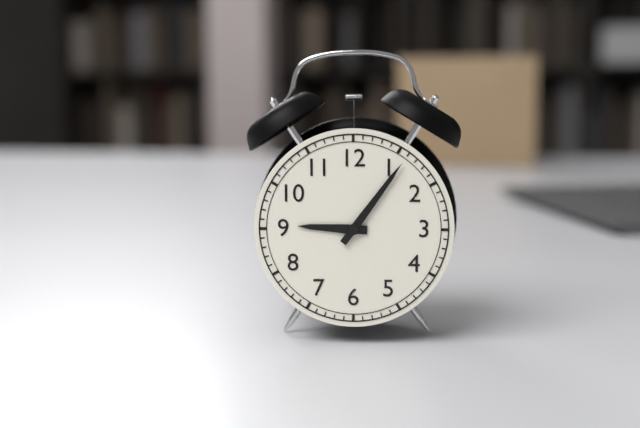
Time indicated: 9:06
